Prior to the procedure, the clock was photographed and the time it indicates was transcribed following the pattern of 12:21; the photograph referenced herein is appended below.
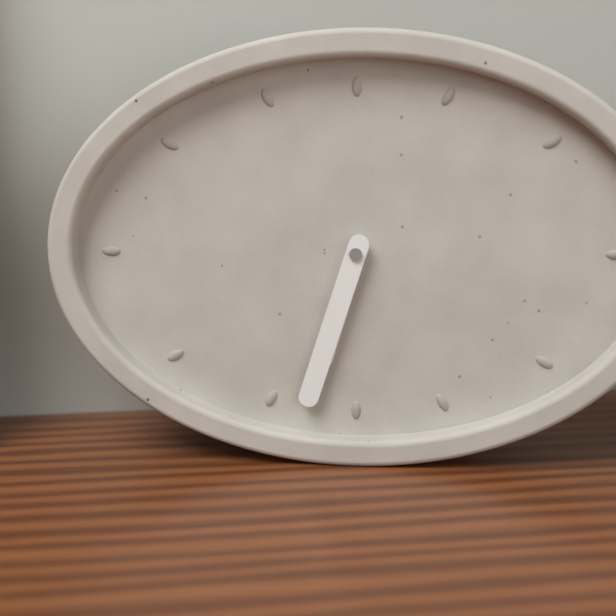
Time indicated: 6:33
